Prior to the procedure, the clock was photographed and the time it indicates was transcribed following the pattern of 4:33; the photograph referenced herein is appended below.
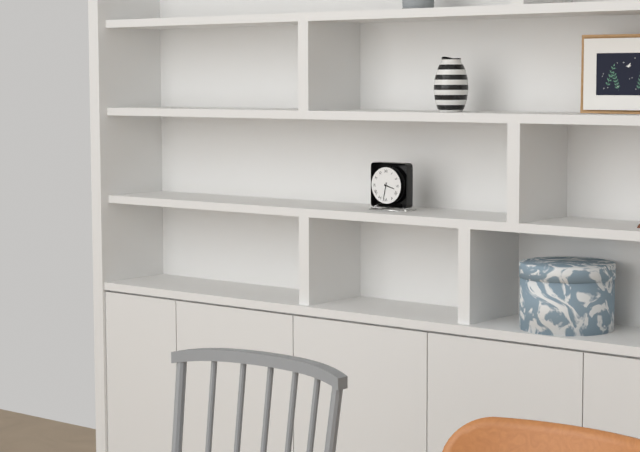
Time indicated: 3:32
